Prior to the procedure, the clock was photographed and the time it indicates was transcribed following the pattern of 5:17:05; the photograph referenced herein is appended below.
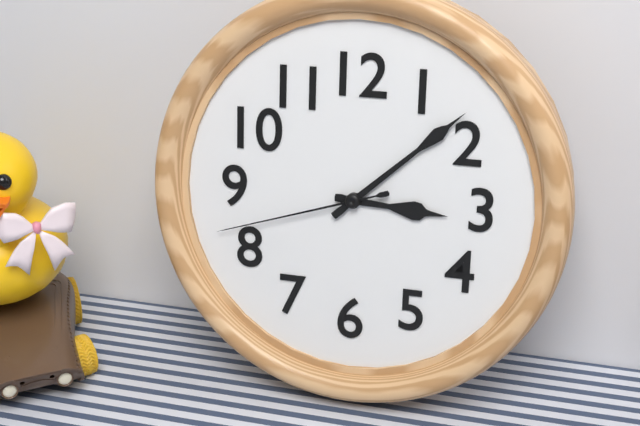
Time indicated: 3:08:42
